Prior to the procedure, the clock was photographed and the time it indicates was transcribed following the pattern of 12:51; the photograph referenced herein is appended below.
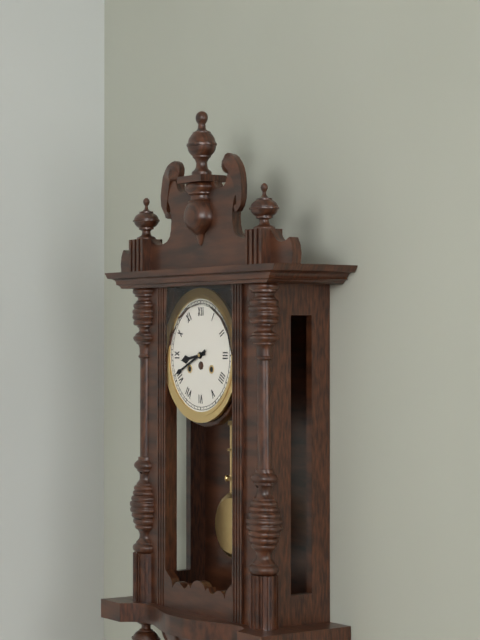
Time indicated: 8:41
